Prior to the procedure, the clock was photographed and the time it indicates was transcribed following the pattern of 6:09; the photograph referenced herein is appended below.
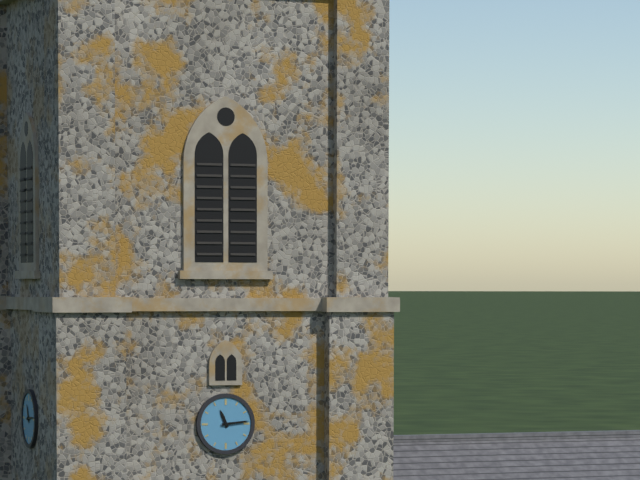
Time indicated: 11:14
